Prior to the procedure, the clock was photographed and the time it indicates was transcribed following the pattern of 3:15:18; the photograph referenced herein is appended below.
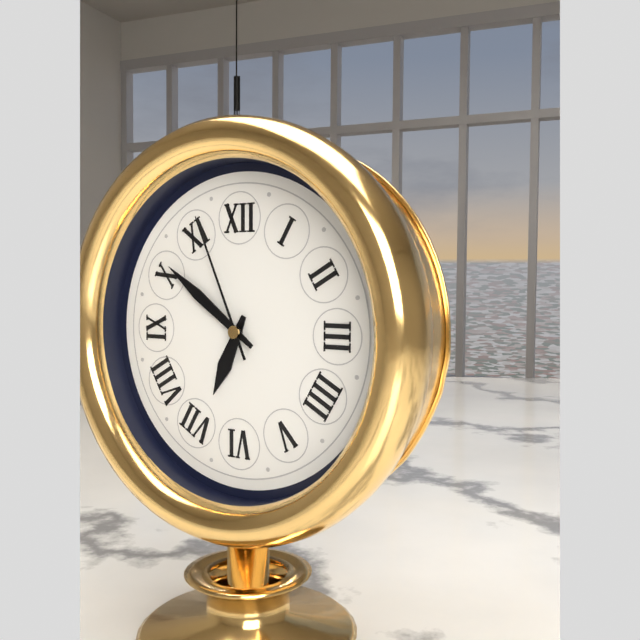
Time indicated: 6:51:56
